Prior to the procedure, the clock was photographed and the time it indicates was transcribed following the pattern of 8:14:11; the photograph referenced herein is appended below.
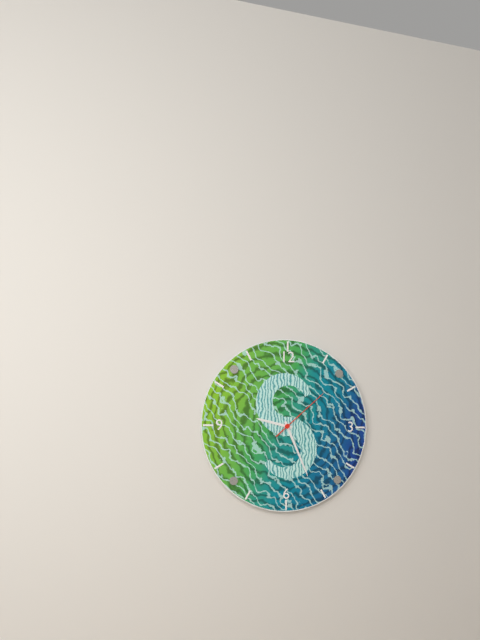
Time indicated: 9:26:08
